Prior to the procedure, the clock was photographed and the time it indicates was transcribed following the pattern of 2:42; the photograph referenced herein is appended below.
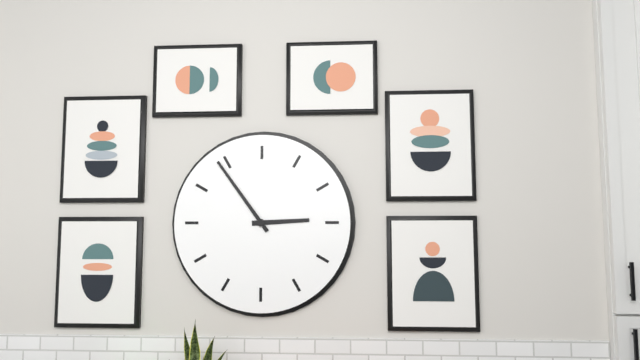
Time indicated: 2:54
